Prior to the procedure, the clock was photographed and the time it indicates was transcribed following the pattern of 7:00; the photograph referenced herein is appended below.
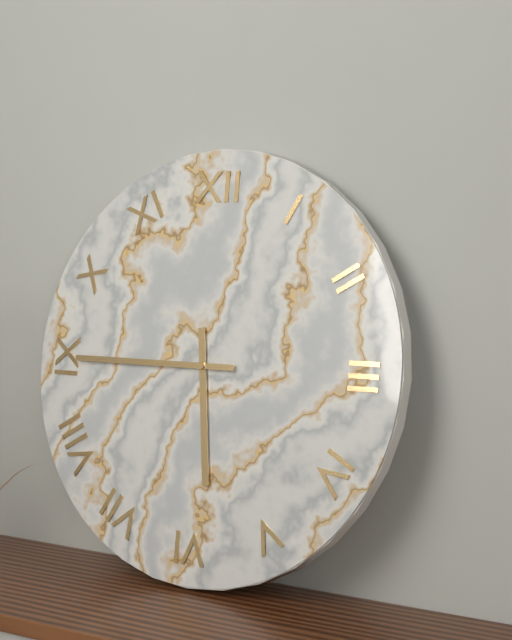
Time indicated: 5:45
